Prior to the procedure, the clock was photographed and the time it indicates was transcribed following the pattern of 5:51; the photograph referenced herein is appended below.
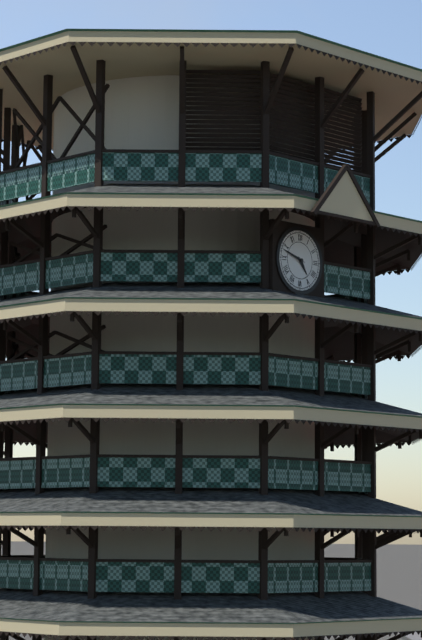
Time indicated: 4:48
